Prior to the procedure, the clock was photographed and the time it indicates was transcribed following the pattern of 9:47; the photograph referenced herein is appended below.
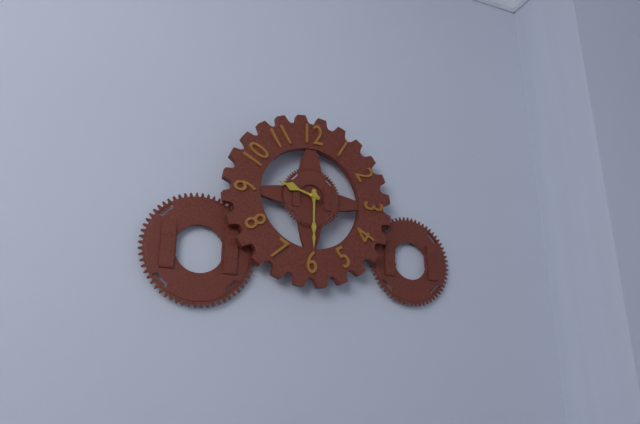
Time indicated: 9:30
